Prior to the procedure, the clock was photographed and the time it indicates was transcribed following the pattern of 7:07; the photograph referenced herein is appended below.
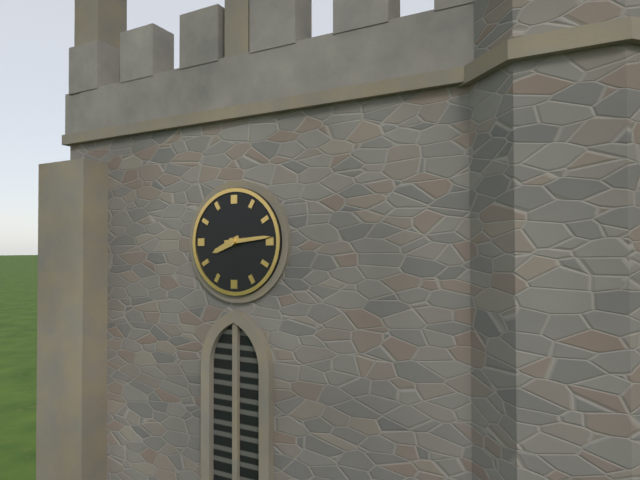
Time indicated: 8:14
